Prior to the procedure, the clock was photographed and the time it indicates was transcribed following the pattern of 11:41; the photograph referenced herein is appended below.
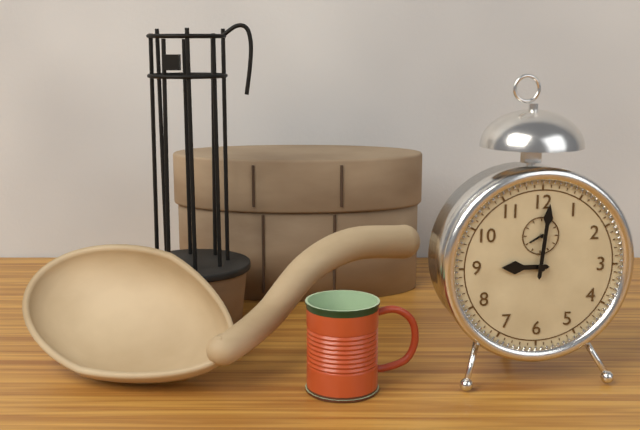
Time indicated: 9:01
